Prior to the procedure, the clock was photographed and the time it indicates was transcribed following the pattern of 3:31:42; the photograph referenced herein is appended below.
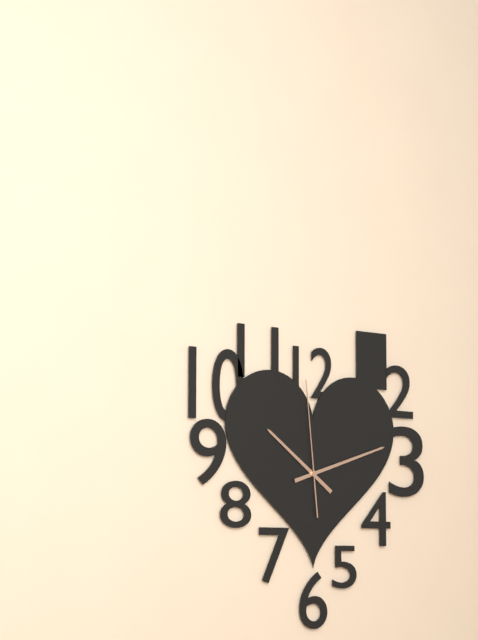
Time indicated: 10:12:59
